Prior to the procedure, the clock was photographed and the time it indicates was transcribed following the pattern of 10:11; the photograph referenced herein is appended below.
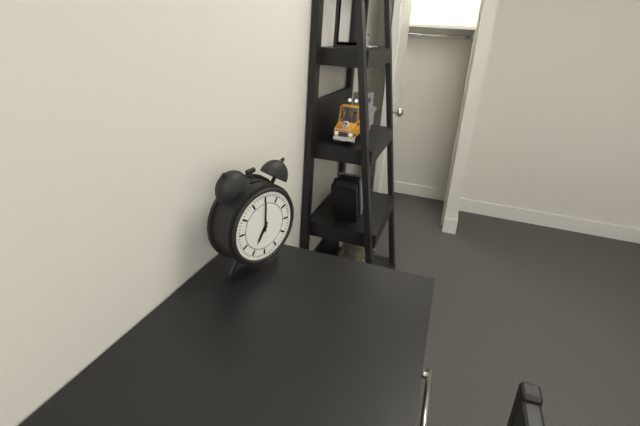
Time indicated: 7:00
